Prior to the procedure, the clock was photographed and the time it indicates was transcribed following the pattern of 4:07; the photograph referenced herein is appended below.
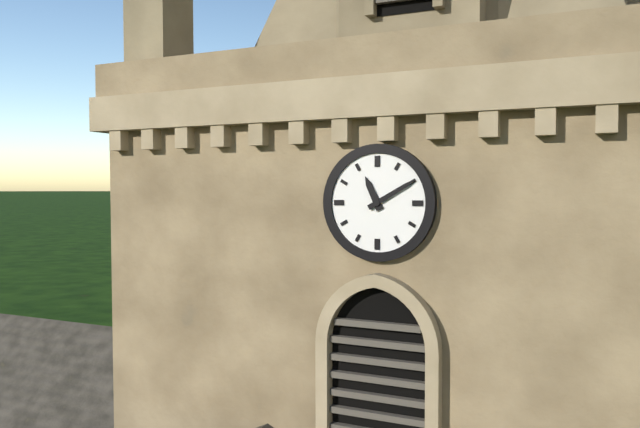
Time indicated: 11:10
